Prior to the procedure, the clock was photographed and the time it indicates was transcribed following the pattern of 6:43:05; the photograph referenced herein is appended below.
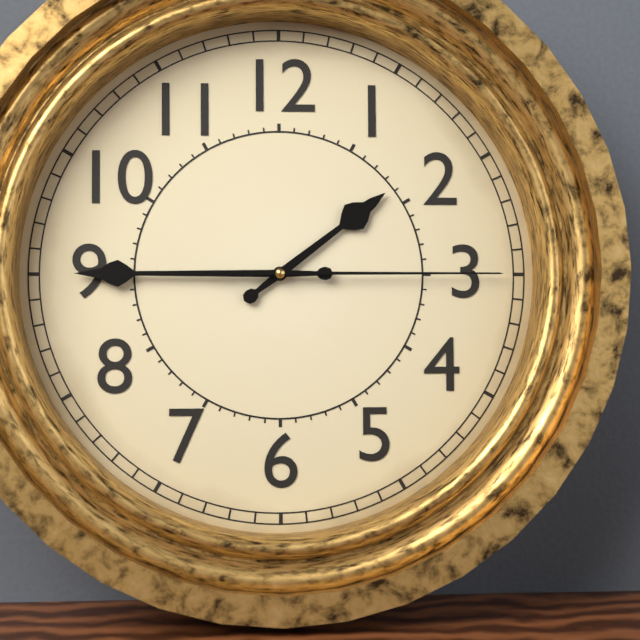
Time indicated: 1:45:15
